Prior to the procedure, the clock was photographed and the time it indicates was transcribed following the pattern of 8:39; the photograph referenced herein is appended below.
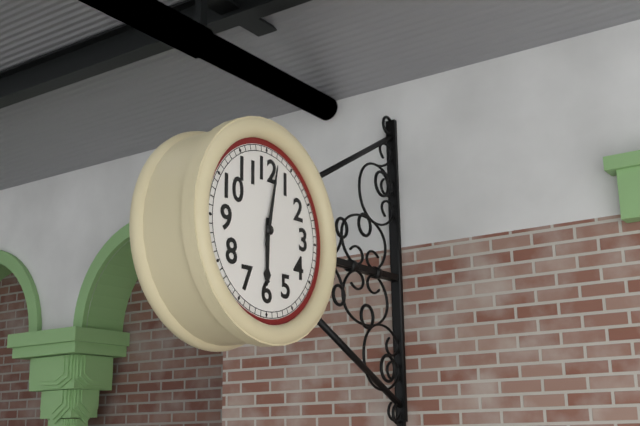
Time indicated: 6:02
